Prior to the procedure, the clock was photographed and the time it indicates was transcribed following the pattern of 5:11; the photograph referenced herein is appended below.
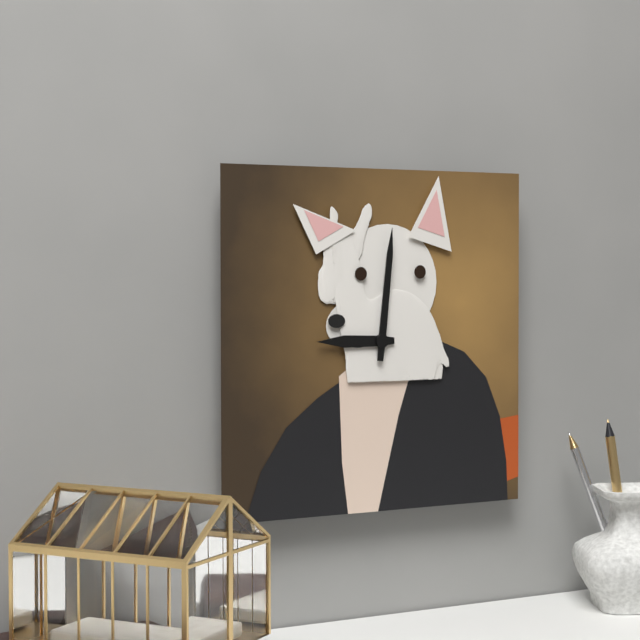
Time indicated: 9:01
